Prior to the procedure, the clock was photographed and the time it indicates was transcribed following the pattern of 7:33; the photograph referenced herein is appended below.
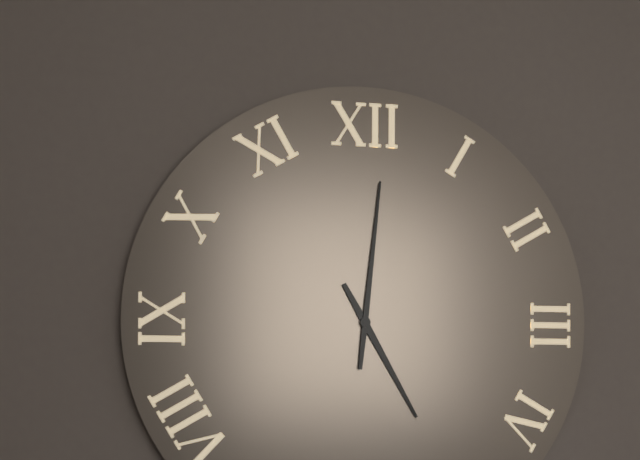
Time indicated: 5:01
